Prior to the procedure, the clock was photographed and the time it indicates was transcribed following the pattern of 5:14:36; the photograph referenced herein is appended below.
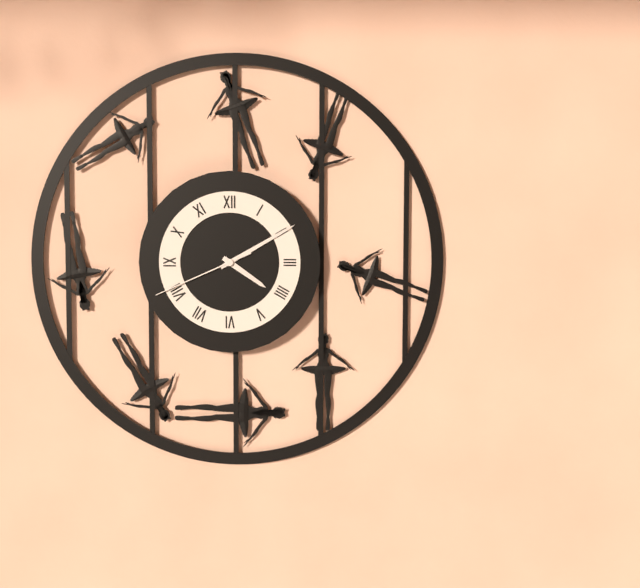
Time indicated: 4:10:41
